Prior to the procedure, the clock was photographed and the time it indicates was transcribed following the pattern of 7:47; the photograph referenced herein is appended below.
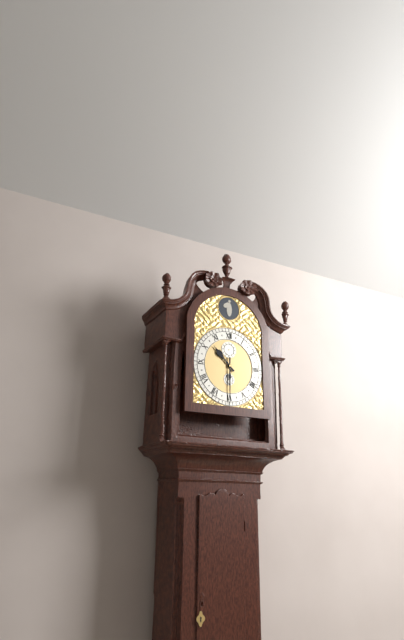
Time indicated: 10:30
